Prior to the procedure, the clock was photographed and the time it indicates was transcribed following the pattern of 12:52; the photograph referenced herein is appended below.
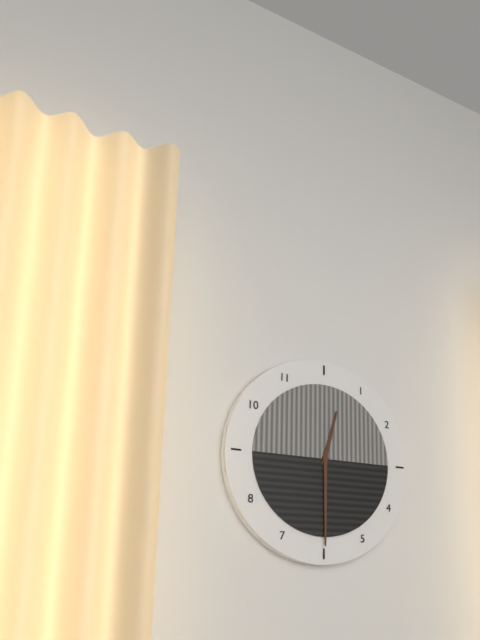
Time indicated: 12:30
